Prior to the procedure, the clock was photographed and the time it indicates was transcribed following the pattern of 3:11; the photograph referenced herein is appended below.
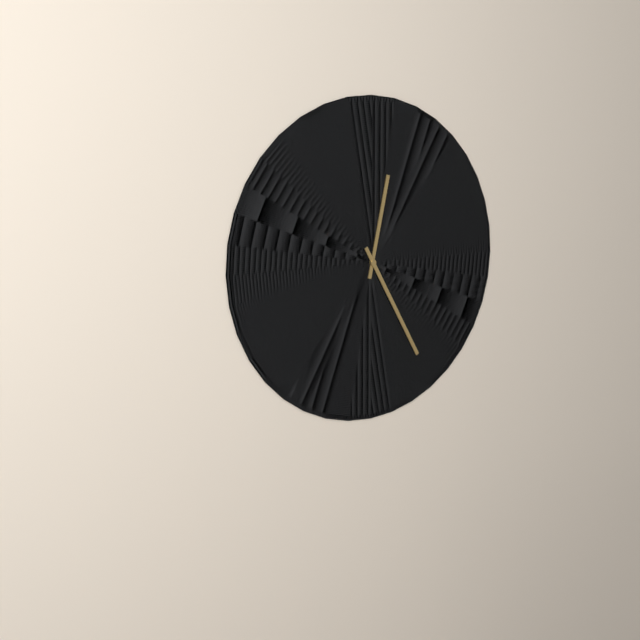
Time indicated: 12:25
